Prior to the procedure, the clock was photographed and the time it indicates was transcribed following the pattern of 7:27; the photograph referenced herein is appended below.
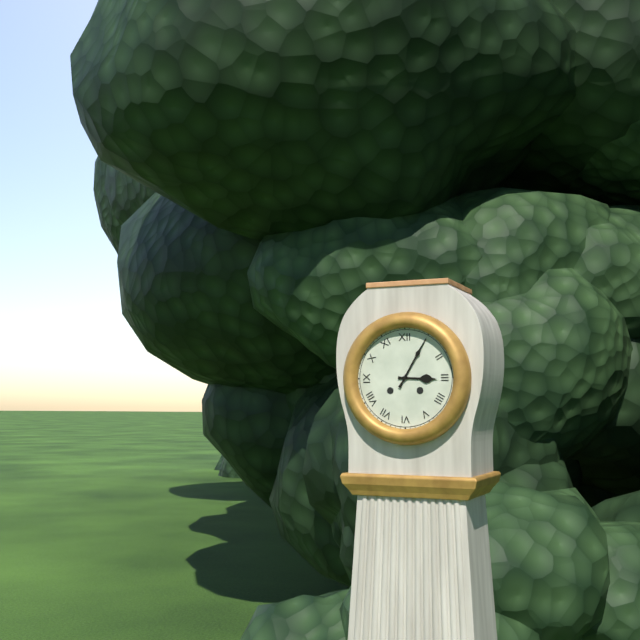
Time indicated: 3:05
